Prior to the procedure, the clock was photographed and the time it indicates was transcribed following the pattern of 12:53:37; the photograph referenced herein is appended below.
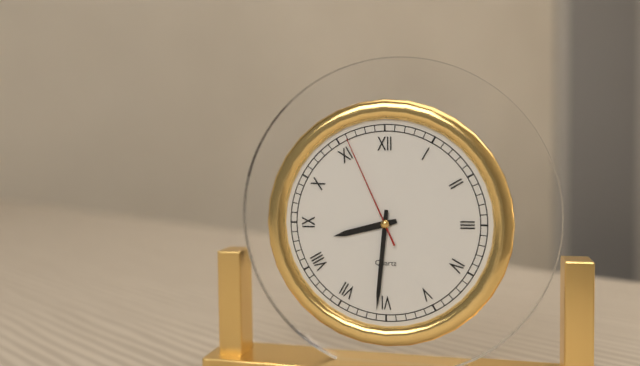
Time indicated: 8:31:56
